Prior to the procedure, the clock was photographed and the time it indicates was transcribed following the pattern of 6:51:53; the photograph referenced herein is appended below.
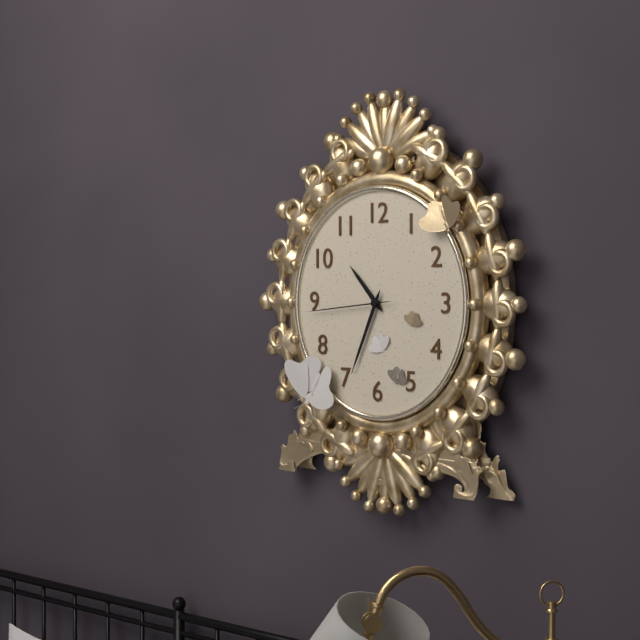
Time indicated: 10:34:44
